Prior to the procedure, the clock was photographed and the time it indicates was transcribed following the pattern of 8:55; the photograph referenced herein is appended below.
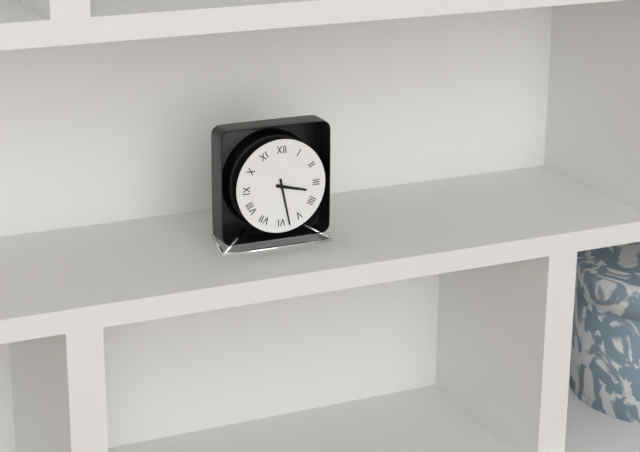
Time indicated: 3:28
